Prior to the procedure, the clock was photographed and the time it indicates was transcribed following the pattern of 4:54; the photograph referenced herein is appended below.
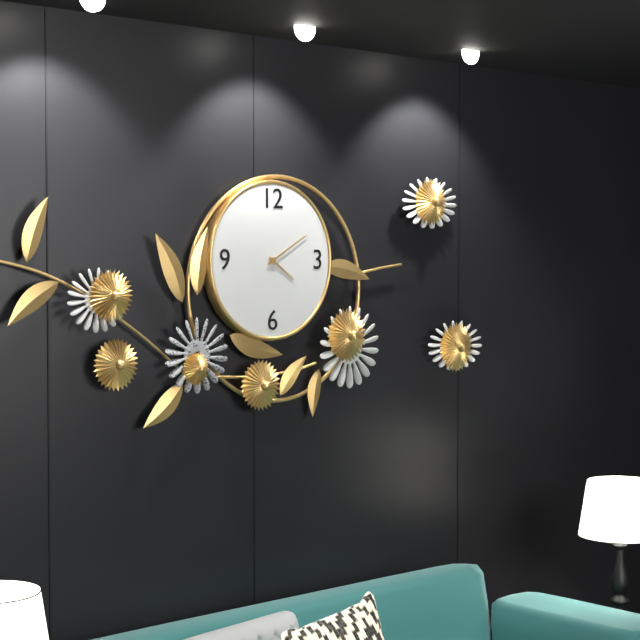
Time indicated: 4:10
